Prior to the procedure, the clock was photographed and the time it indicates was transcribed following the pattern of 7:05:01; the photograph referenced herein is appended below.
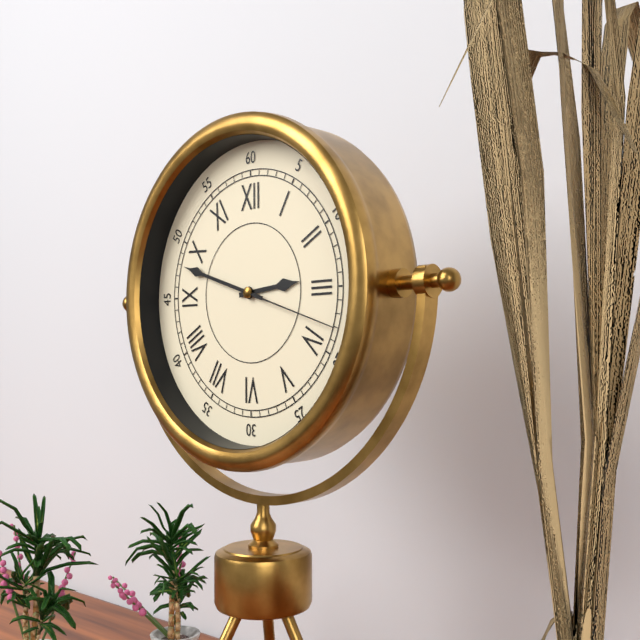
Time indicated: 2:48:18
